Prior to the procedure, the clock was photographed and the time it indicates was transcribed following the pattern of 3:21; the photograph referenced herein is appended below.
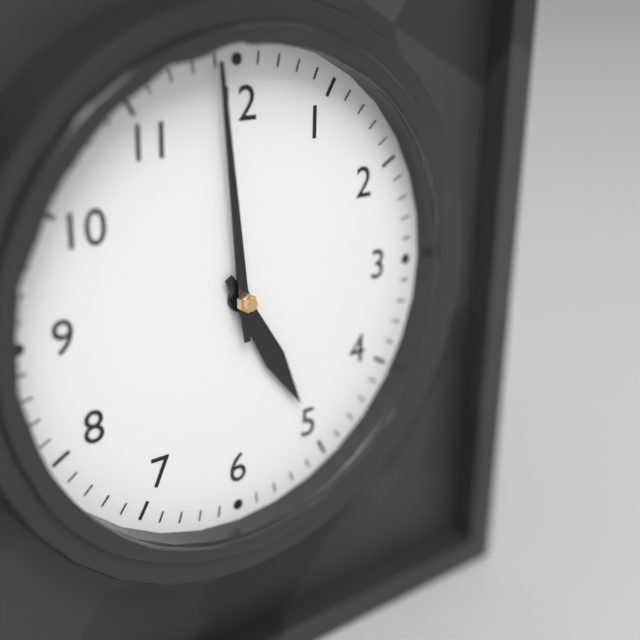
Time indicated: 4:59
